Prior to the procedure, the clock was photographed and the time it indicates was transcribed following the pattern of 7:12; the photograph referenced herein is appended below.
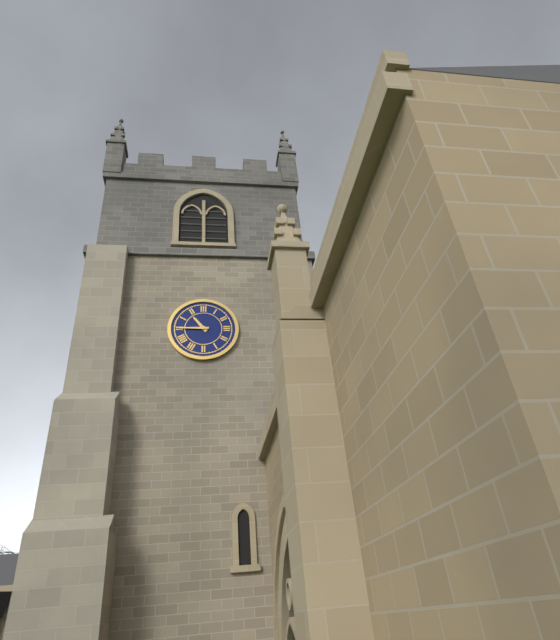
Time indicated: 10:45
